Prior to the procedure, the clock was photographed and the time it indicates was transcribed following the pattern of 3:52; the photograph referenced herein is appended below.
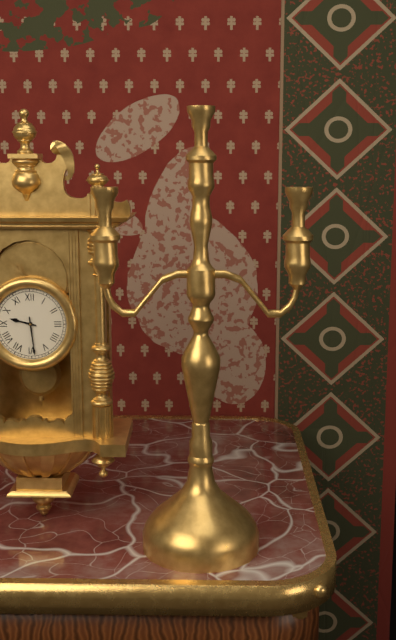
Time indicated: 9:29
